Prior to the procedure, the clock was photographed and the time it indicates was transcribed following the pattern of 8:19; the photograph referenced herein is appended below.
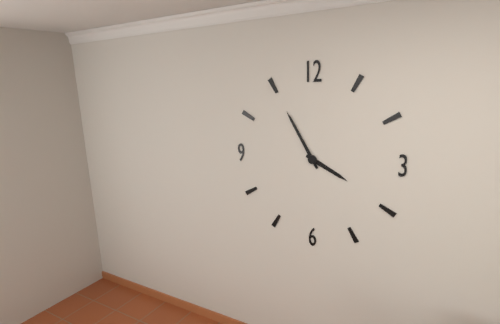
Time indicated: 3:55
